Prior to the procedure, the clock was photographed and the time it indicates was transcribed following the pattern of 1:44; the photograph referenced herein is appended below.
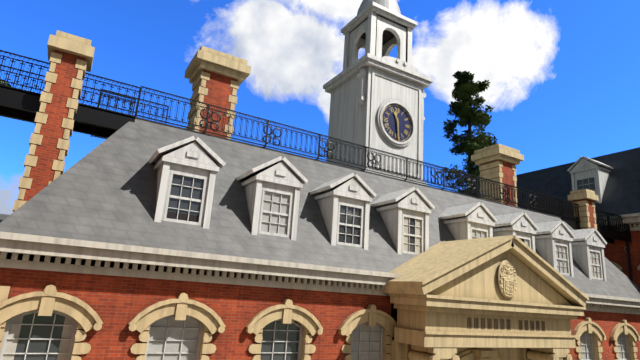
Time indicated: 11:29
